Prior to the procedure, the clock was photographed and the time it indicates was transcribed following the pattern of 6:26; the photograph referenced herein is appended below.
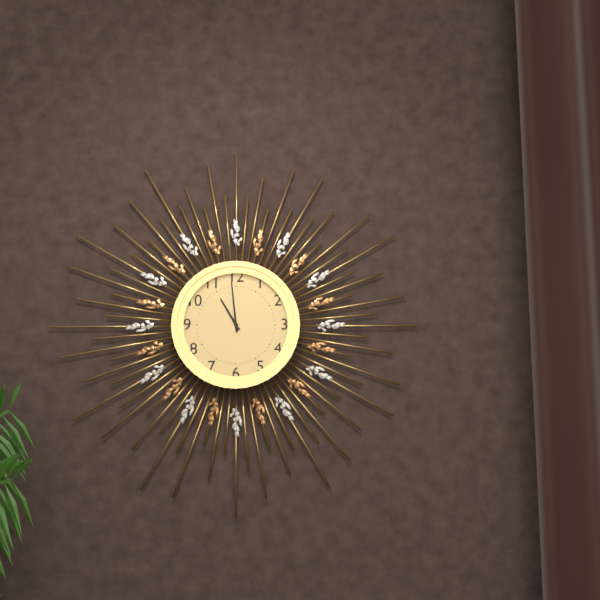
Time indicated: 10:59
